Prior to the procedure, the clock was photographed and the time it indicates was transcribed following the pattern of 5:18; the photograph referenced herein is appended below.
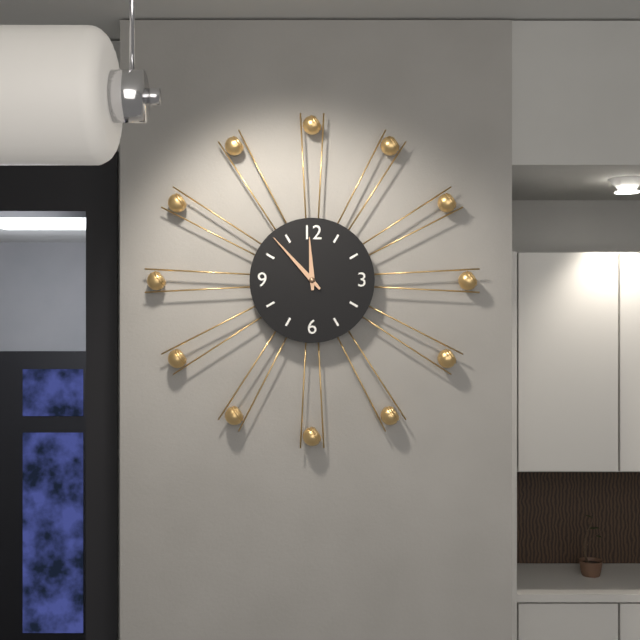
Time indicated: 11:53
